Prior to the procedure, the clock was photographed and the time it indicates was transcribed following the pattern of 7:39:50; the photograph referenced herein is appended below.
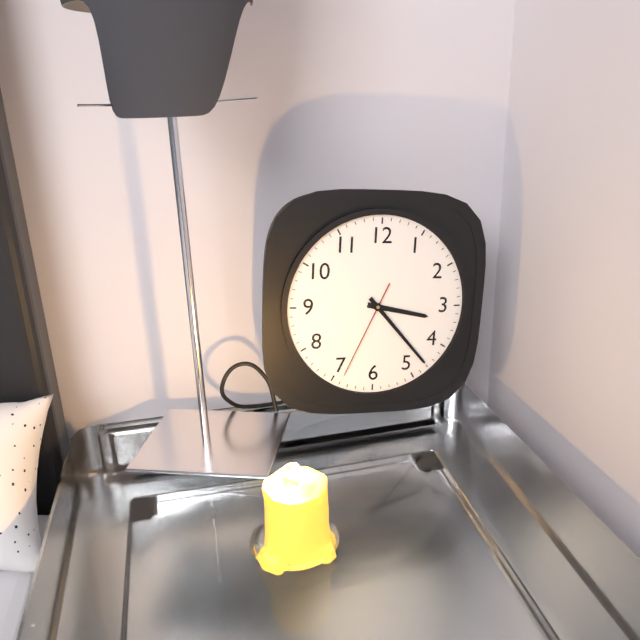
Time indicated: 3:23:34
